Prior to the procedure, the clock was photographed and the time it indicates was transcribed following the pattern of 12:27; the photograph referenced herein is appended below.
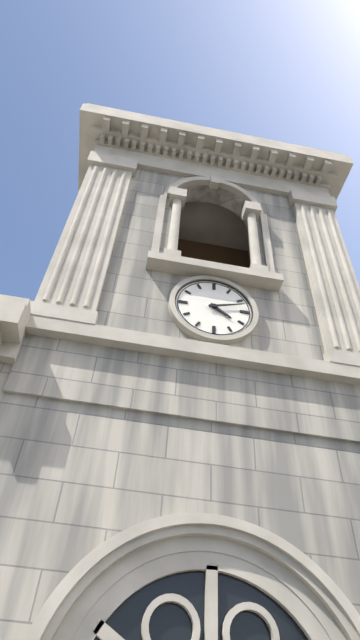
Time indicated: 4:12
